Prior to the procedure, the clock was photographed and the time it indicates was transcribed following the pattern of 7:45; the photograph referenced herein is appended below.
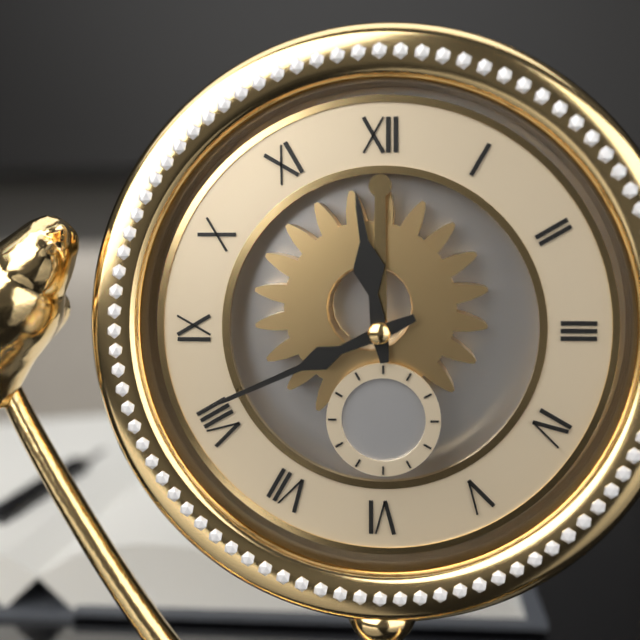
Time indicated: 11:41
